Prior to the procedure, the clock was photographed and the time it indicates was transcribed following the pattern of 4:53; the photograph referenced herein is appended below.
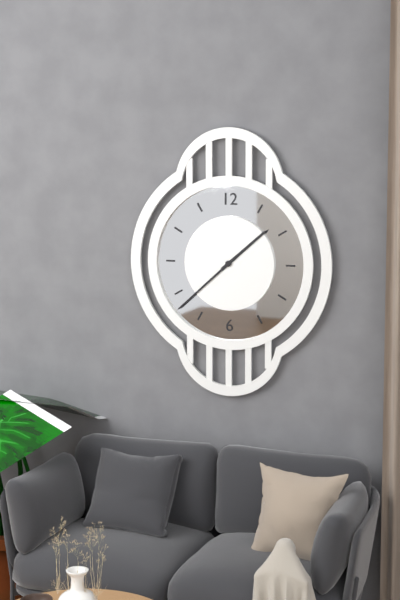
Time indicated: 1:38
